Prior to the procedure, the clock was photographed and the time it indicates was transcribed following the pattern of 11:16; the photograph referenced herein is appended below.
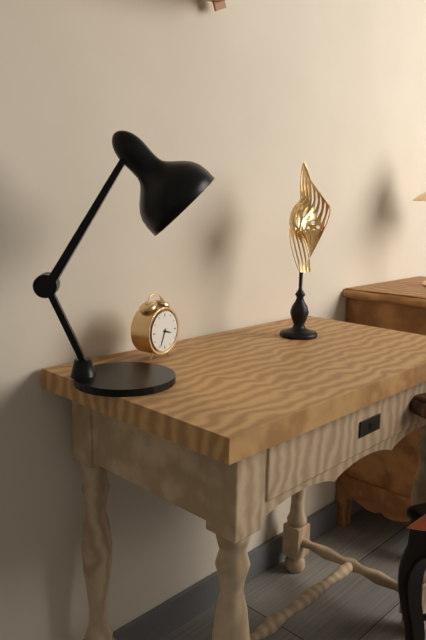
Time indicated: 3:34
